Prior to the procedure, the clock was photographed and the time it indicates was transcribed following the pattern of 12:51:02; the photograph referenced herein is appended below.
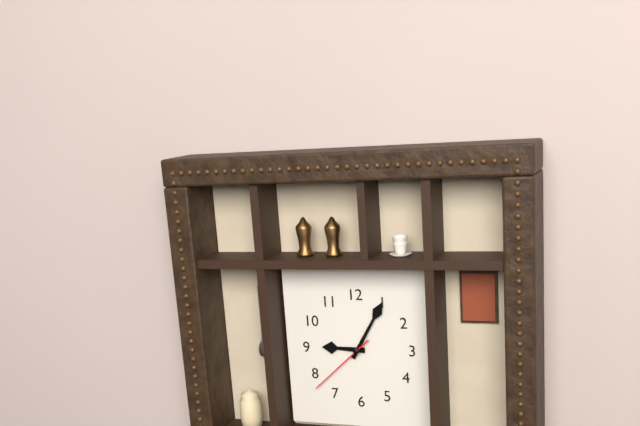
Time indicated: 9:05:38
